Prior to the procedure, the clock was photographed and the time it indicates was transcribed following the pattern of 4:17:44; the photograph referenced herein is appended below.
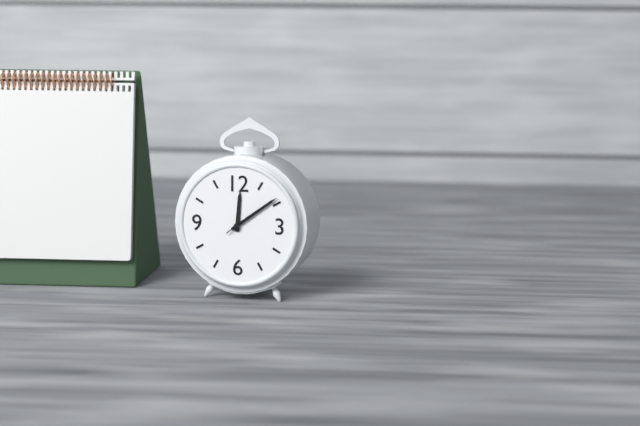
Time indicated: 12:09:09
